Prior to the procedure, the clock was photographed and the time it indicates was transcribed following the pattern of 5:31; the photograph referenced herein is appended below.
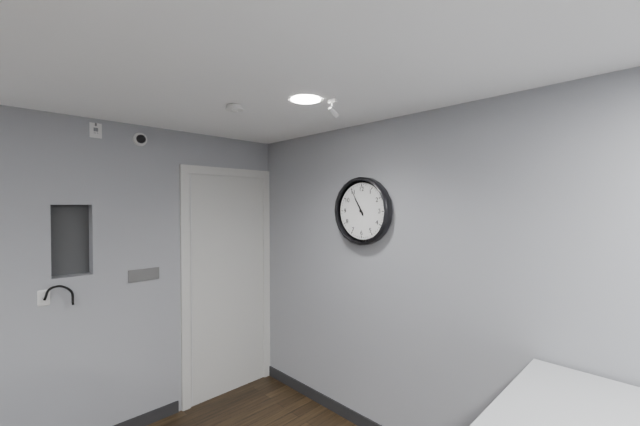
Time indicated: 10:55
